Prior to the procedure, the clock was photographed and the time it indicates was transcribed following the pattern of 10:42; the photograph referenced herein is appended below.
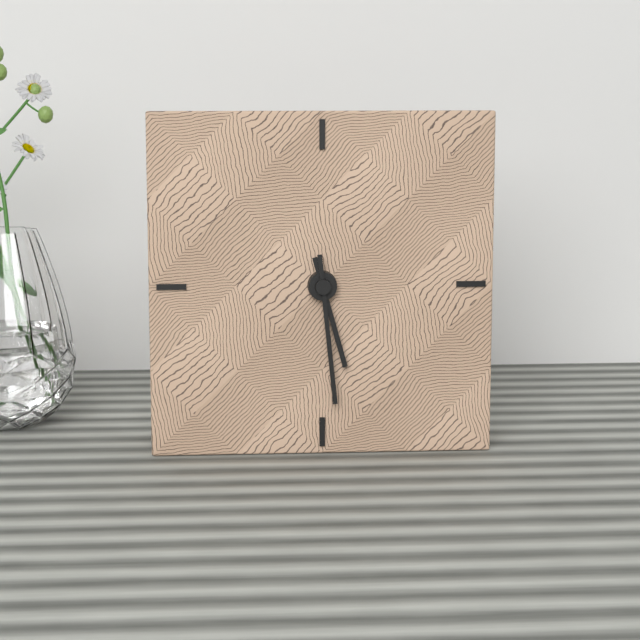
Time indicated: 5:29
